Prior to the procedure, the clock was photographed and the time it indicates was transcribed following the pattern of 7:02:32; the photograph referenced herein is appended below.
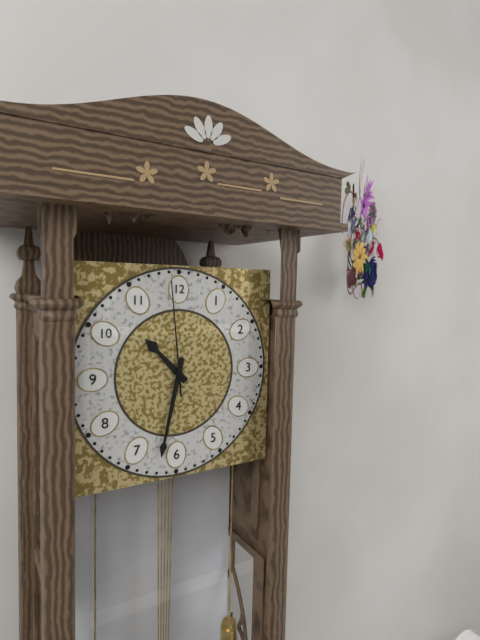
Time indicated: 10:32:59
